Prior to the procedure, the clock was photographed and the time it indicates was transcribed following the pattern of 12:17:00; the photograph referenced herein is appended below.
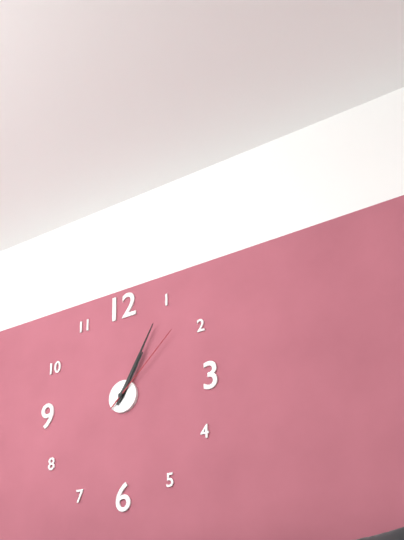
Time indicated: 1:05:08
